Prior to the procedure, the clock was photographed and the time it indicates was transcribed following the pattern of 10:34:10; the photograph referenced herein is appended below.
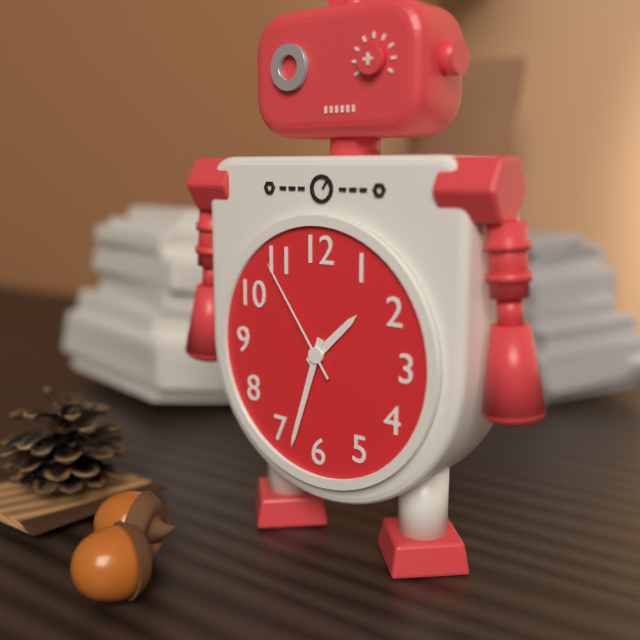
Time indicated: 1:33:54
